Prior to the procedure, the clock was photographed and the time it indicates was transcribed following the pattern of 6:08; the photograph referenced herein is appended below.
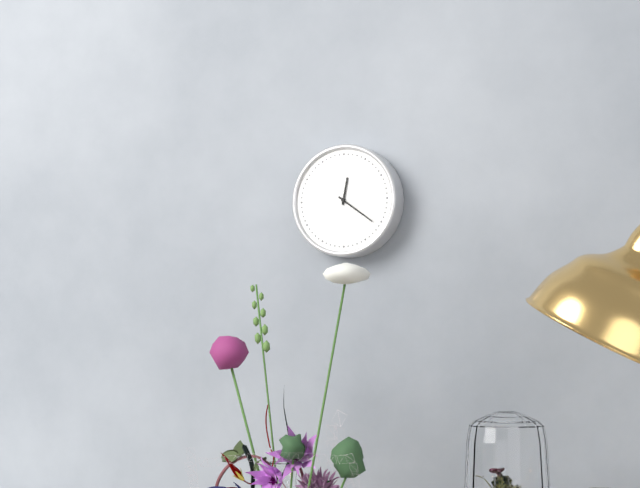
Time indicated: 12:21
